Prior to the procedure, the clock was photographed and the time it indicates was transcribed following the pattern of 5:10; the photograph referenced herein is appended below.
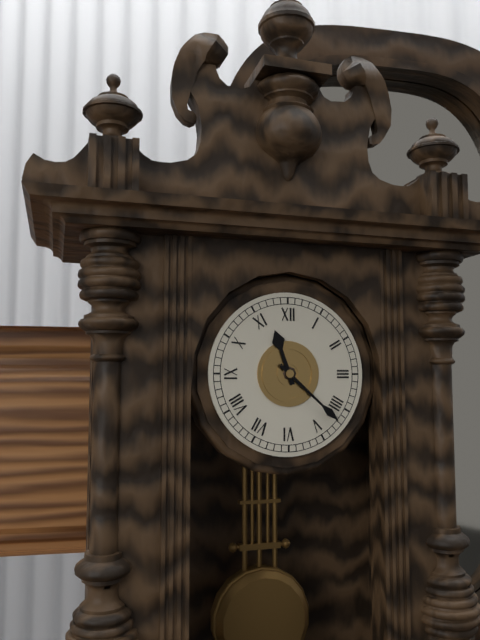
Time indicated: 11:22
